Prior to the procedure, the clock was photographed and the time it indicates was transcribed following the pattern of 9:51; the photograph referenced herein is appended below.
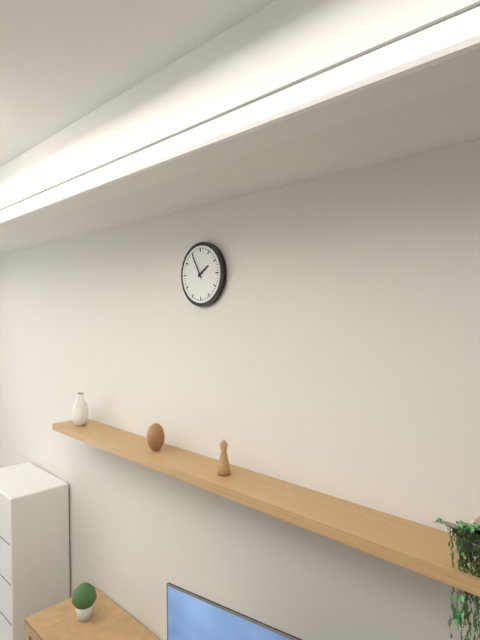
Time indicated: 1:55
